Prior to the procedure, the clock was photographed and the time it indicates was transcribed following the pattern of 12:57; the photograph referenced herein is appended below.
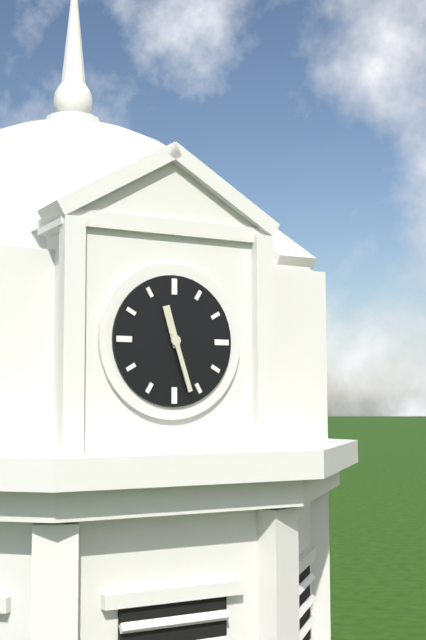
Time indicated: 11:27
